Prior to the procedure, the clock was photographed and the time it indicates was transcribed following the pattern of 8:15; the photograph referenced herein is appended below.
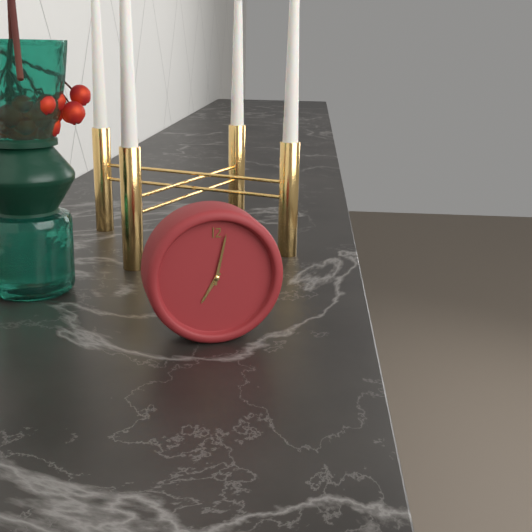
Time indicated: 7:02
